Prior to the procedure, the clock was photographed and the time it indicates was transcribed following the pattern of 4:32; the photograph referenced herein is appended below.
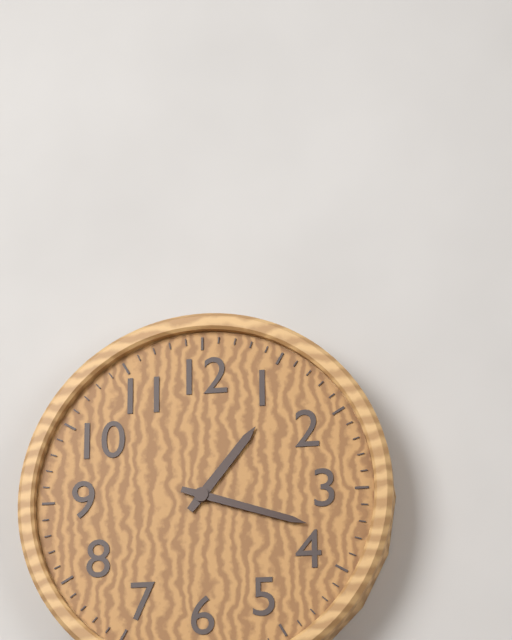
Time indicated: 1:18
